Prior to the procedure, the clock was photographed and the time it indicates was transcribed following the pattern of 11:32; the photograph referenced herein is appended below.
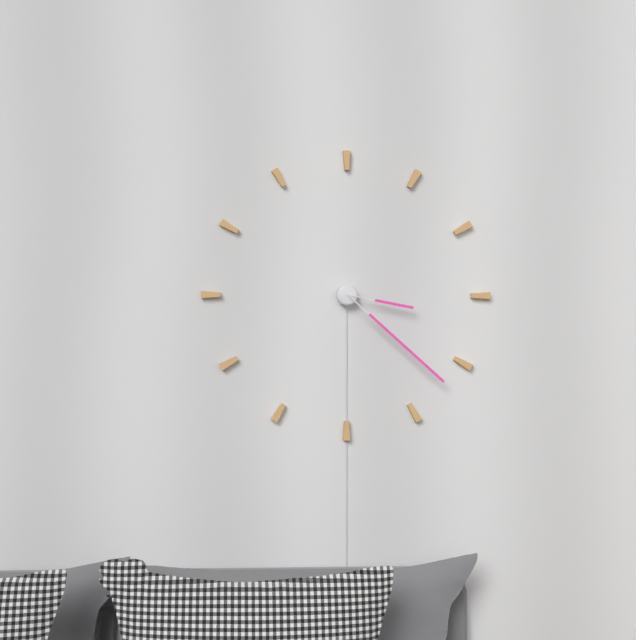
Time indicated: 3:22
